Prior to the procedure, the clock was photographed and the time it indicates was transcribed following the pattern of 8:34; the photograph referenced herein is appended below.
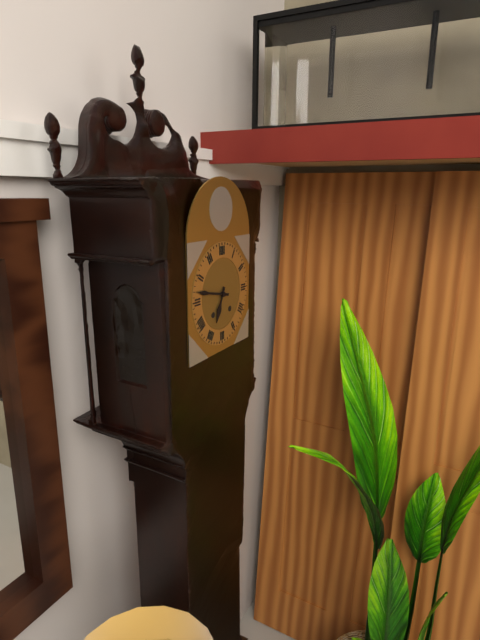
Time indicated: 6:47
